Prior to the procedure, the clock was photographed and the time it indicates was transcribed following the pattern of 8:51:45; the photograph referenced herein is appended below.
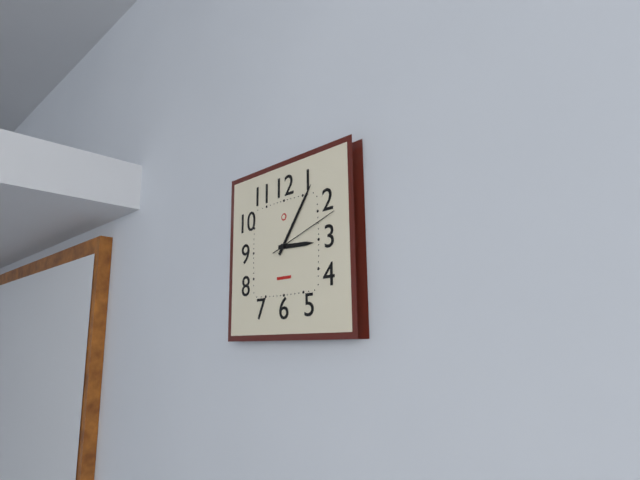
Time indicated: 3:06:12
